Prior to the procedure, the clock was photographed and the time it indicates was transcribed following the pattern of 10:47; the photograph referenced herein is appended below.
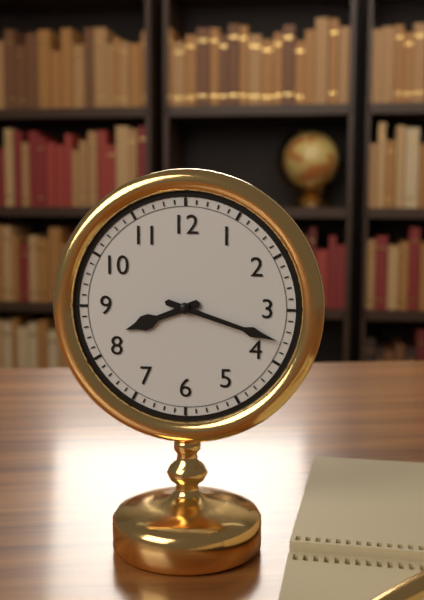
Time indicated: 8:18
